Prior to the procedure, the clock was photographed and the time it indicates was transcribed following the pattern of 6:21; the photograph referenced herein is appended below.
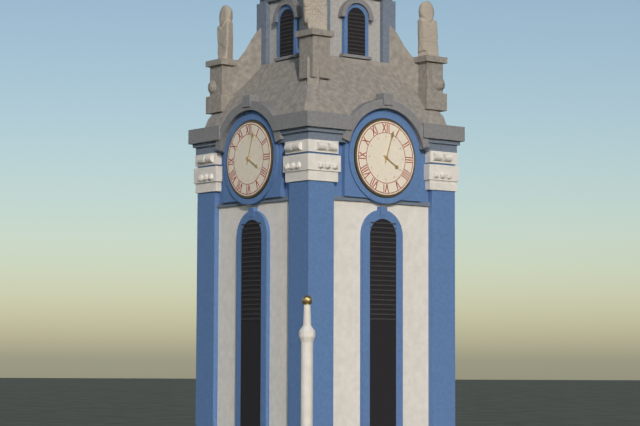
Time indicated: 4:03
